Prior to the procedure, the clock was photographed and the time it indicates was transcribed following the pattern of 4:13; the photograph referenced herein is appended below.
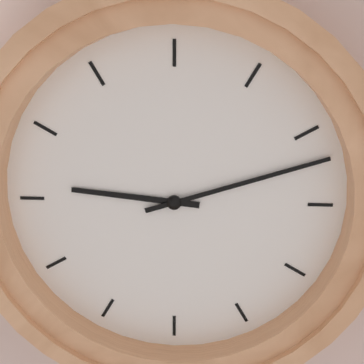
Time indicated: 9:12
